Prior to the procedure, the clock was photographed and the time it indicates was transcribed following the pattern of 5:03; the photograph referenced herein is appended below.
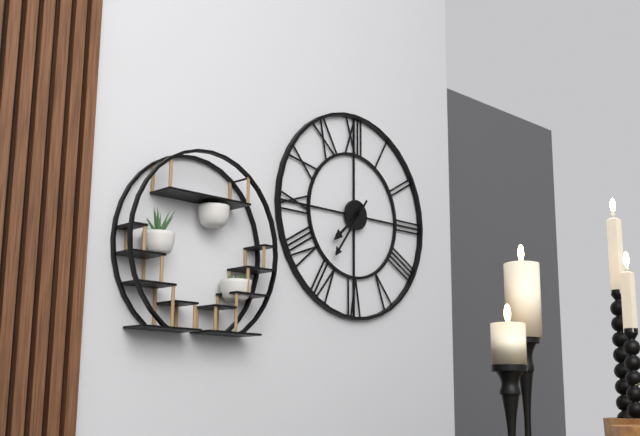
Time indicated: 7:36
